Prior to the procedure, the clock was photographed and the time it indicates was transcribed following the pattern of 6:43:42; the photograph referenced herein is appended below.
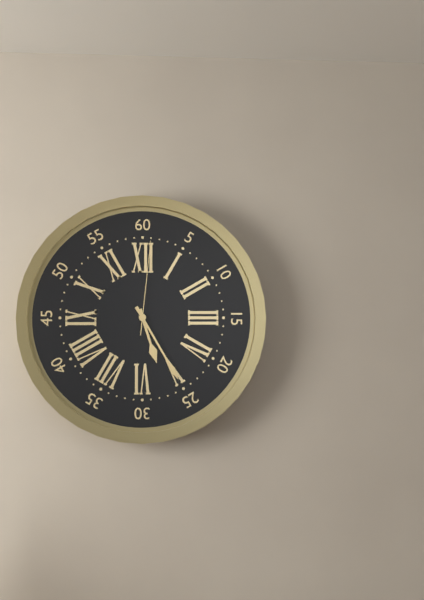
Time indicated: 5:25:01
